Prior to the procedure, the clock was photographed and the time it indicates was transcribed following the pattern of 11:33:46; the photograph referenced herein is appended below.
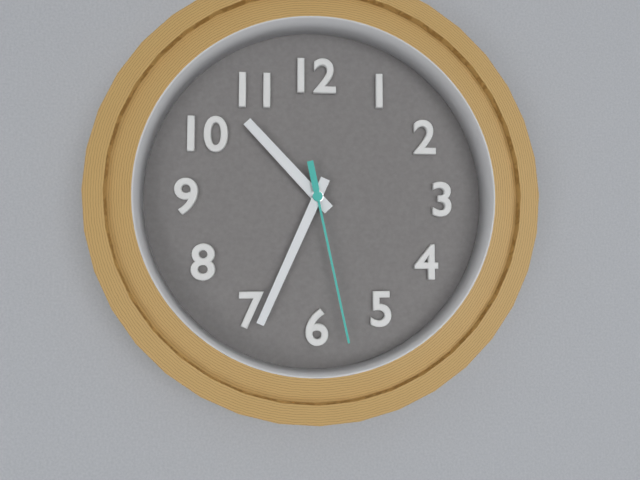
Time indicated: 10:34:28
